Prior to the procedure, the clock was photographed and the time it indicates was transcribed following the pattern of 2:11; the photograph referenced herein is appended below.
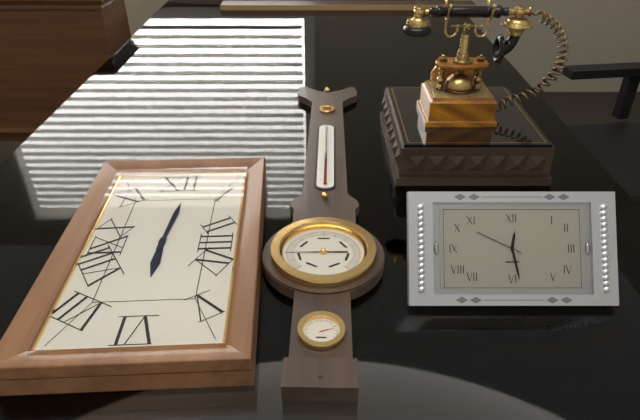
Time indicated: 6:01
